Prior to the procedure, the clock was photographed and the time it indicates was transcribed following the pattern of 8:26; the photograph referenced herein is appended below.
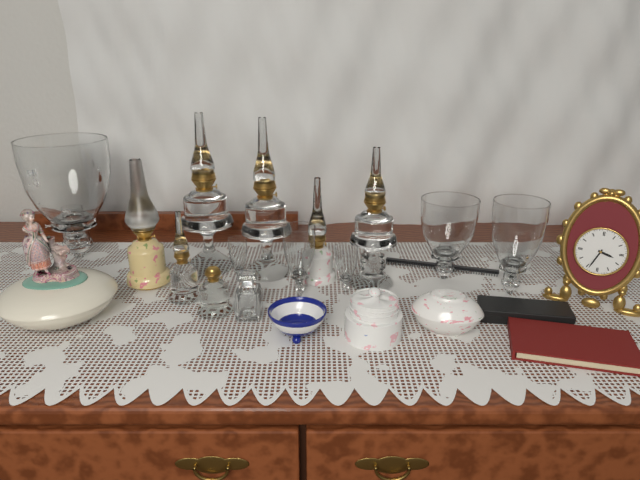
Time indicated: 3:34
